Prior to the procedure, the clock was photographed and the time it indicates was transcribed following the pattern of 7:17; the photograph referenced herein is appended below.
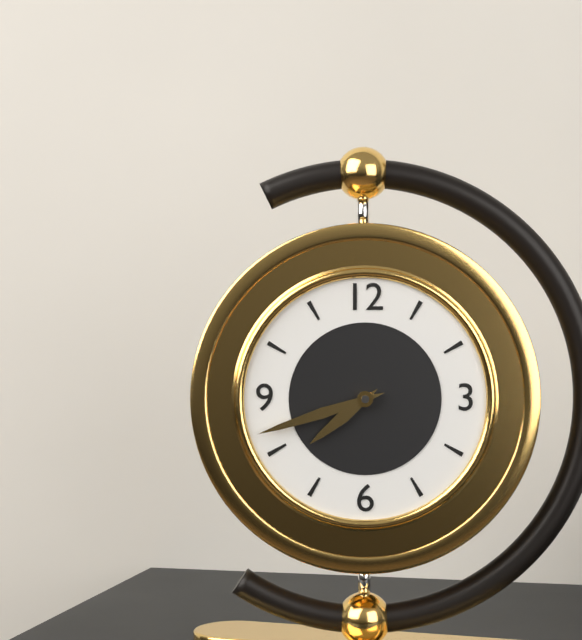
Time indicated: 7:42
